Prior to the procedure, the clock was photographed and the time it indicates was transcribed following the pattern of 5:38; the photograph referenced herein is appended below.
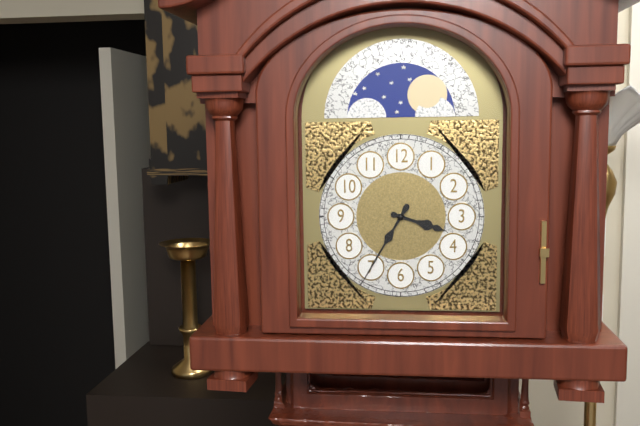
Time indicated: 3:35
